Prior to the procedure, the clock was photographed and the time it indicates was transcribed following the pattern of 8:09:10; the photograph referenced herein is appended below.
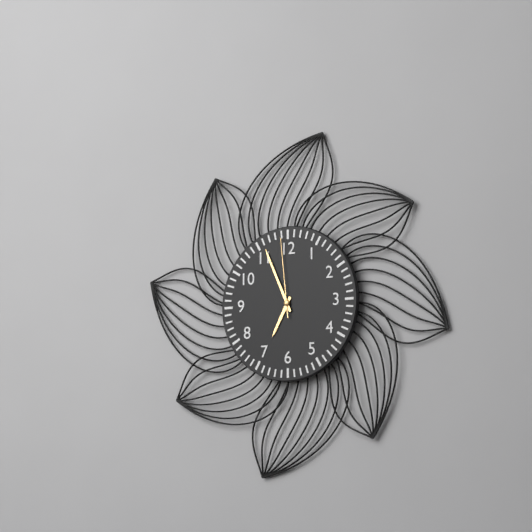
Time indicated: 6:56:59
